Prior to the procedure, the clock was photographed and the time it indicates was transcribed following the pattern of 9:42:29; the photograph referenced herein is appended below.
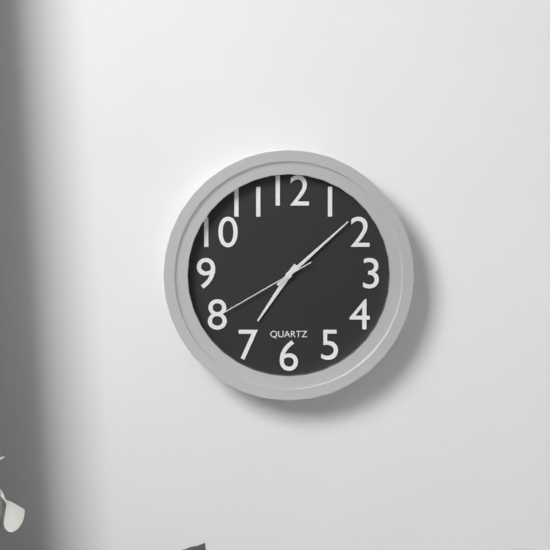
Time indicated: 7:08:40
